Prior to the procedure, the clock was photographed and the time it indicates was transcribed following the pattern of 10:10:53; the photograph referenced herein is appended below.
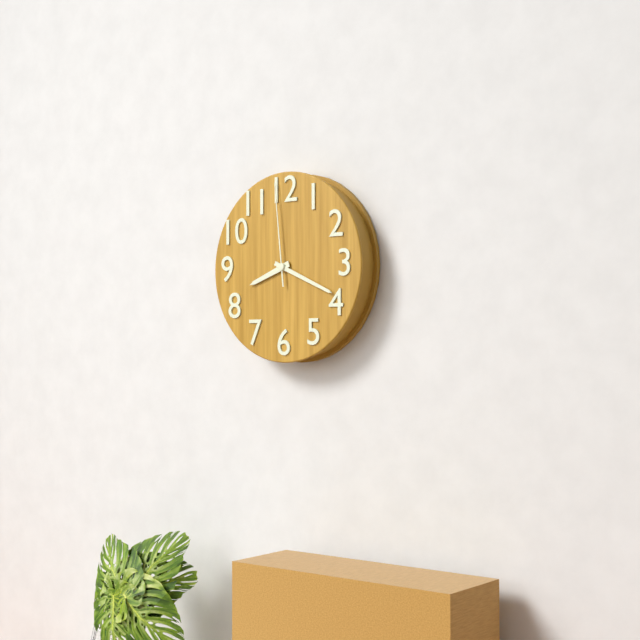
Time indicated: 8:19:59
